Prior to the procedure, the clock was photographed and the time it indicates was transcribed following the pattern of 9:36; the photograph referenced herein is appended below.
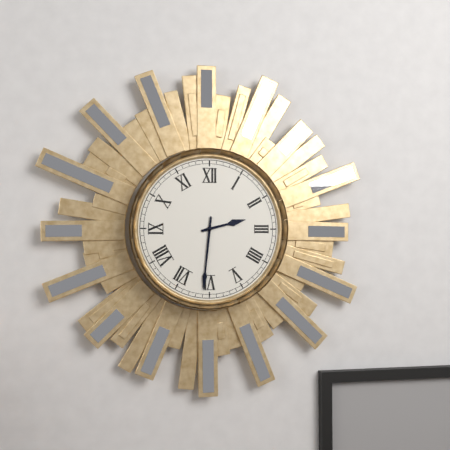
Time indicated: 2:31
